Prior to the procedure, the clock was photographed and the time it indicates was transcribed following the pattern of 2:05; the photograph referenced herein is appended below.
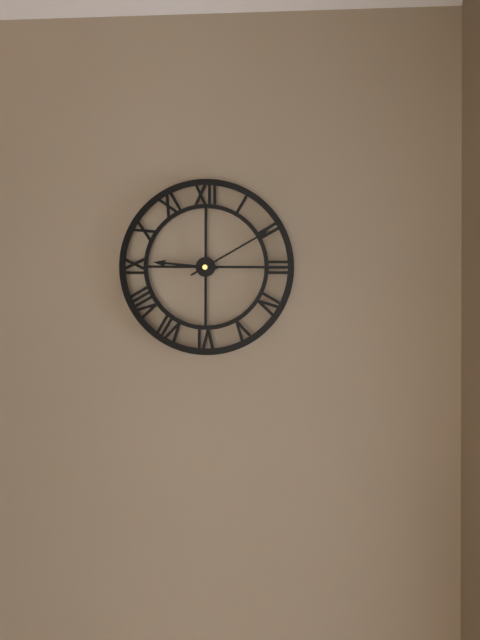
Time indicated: 9:10
